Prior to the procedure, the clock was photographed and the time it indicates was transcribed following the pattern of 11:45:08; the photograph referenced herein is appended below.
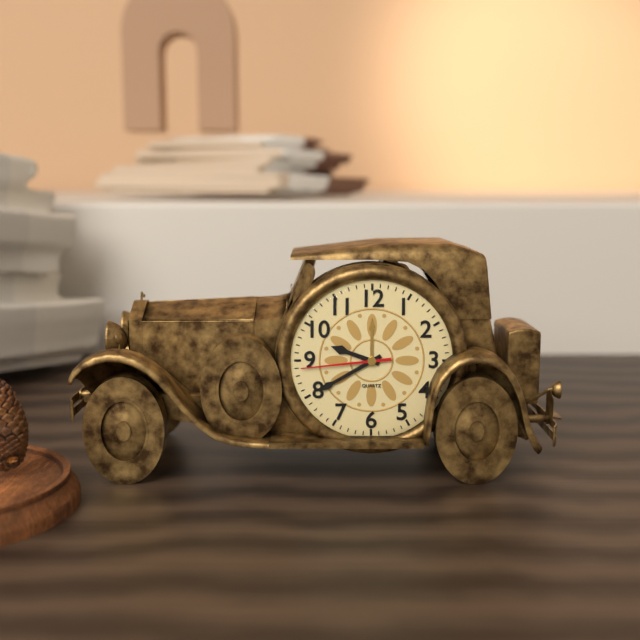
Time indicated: 9:40:44
